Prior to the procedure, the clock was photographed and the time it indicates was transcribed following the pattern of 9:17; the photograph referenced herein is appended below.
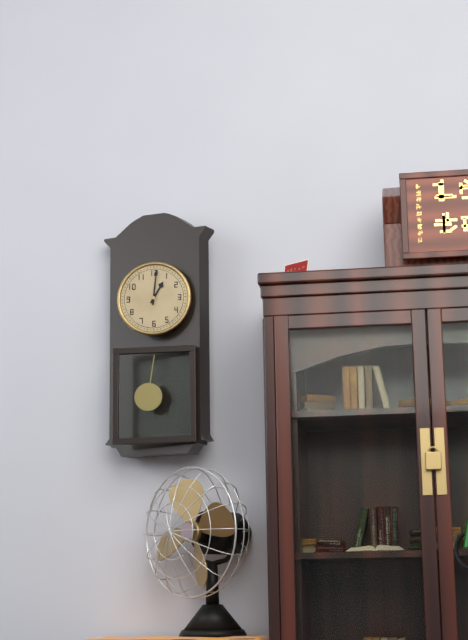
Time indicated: 1:01
